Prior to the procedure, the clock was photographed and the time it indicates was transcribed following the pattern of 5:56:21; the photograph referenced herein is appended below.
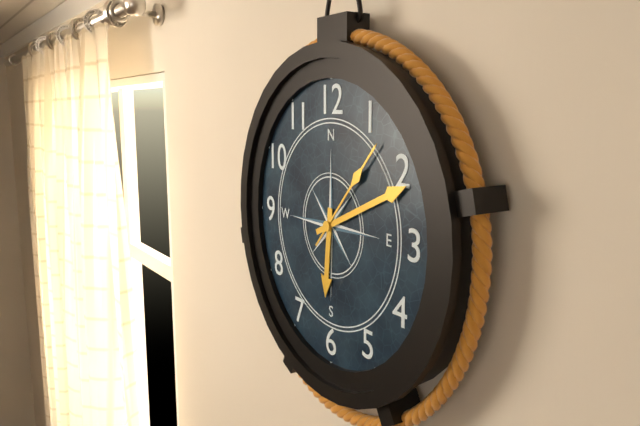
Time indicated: 6:11:07
